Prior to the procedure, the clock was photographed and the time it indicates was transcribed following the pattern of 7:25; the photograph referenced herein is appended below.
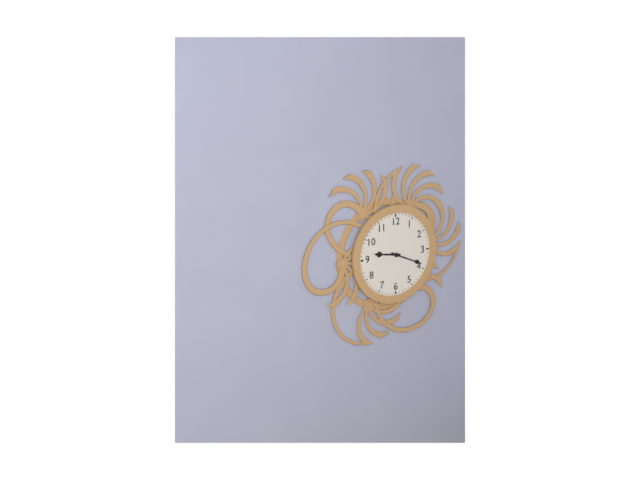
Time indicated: 9:19
